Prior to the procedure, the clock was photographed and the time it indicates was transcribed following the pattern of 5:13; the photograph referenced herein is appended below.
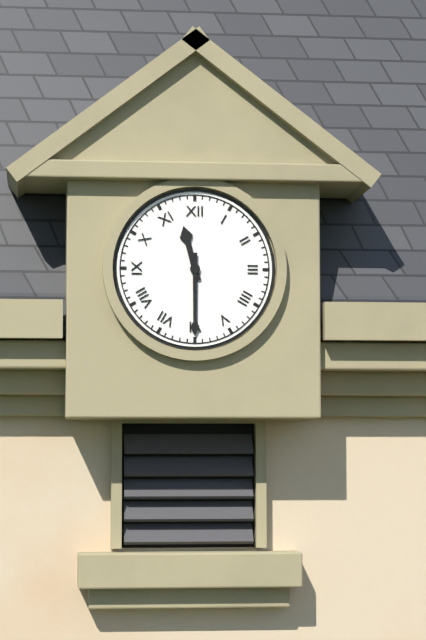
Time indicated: 11:30
